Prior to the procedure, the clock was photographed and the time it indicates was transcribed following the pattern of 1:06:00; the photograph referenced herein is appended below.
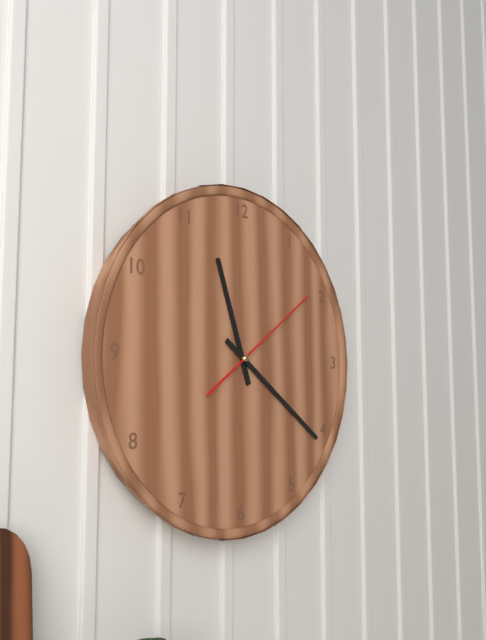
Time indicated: 11:21:09
